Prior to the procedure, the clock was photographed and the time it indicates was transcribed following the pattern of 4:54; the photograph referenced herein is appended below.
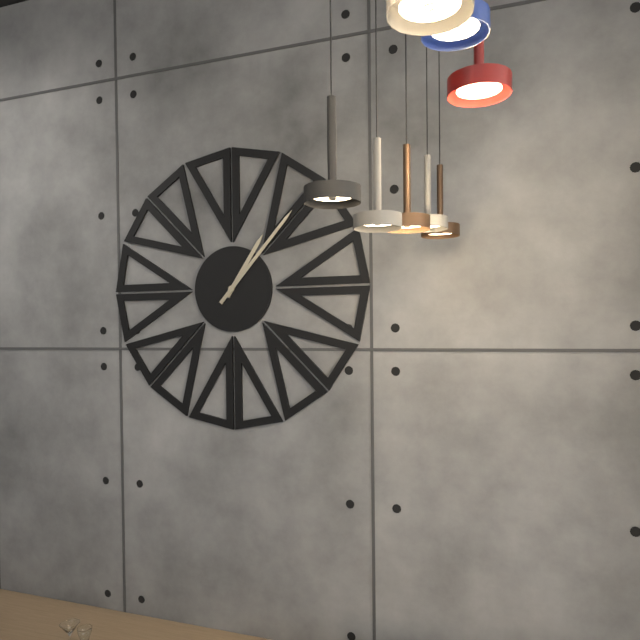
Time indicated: 1:07
